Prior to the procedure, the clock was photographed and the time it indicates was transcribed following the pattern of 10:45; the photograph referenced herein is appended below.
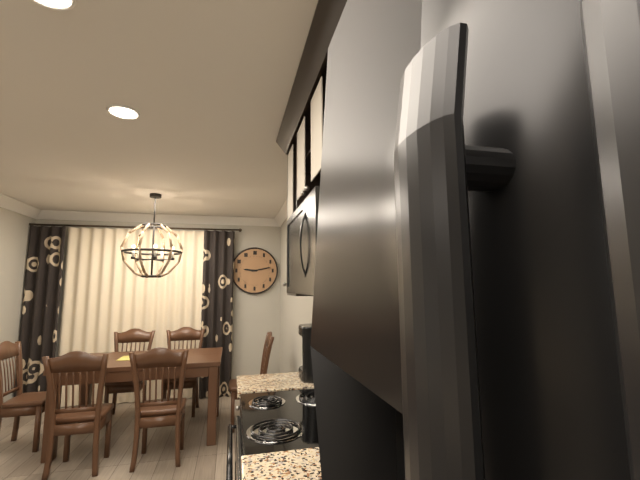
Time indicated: 9:13
